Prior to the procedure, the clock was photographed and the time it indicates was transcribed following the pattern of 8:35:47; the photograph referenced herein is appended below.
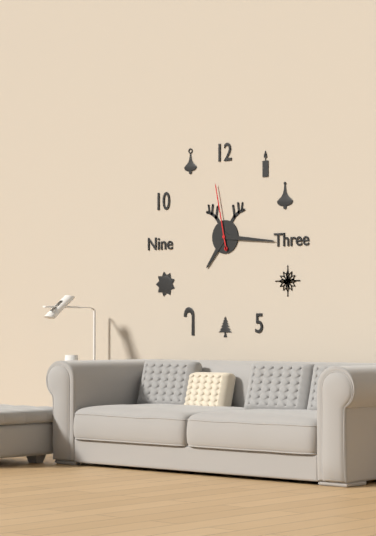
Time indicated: 7:16:58
